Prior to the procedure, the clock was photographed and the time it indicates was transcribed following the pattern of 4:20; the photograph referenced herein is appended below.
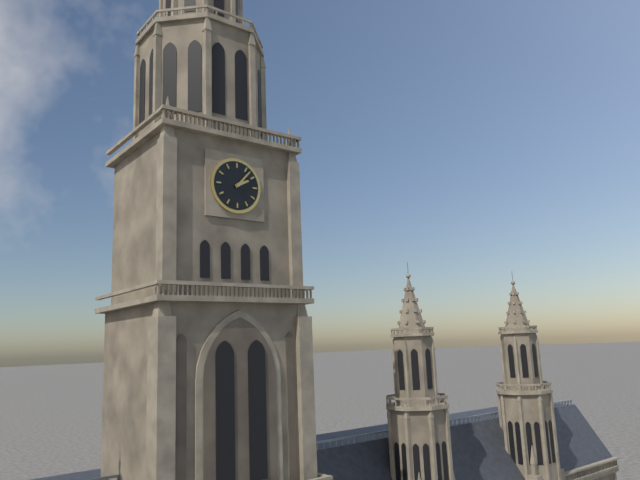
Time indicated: 2:07
